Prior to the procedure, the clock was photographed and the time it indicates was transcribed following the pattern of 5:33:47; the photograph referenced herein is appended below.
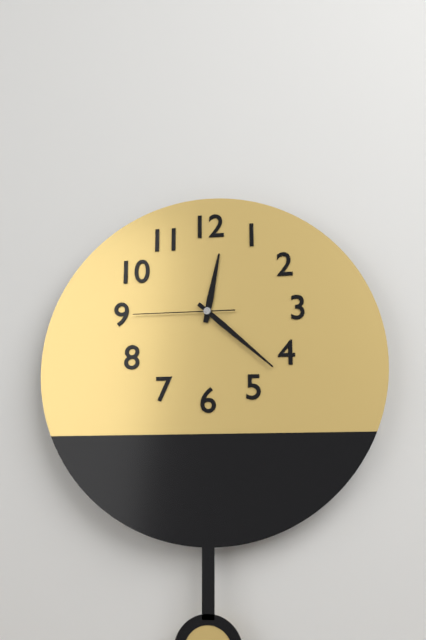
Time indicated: 12:22:45
